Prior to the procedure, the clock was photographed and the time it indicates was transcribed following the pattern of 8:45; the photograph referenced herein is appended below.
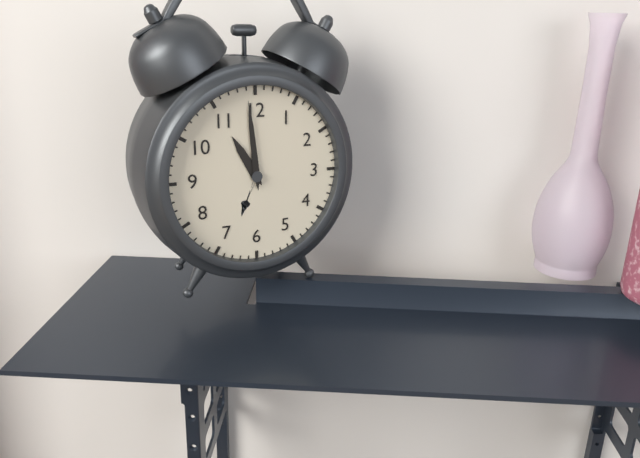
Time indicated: 10:59
